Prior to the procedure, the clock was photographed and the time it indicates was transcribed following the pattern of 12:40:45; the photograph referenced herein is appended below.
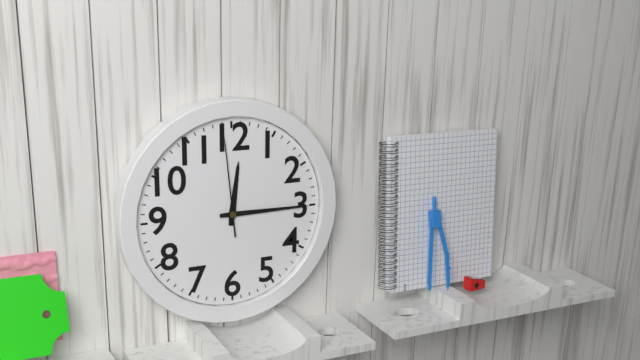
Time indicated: 12:15:59
